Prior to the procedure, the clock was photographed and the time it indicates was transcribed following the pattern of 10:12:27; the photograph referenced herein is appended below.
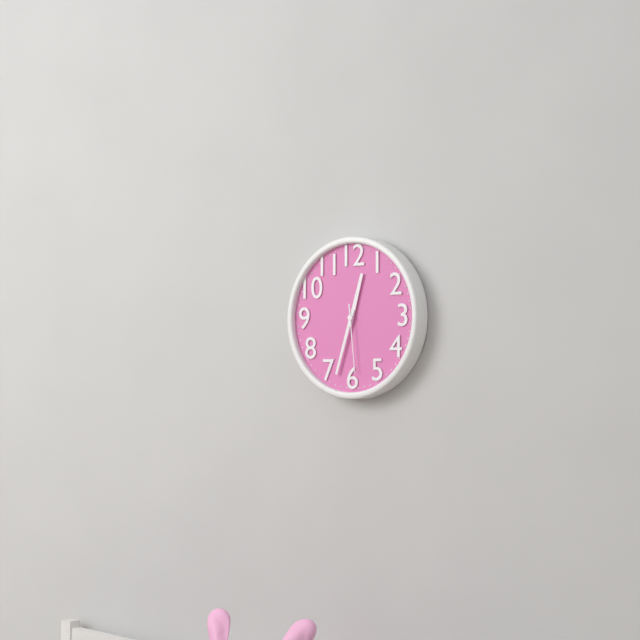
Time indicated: 12:33:29
